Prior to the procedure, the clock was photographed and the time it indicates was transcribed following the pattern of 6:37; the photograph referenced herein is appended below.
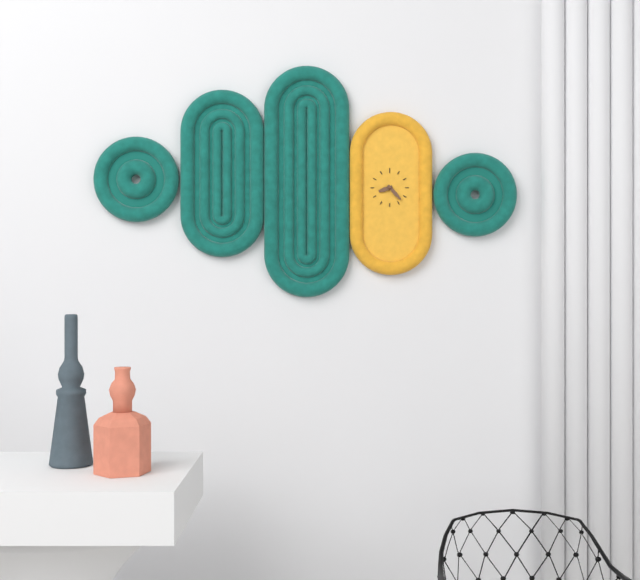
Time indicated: 8:23
